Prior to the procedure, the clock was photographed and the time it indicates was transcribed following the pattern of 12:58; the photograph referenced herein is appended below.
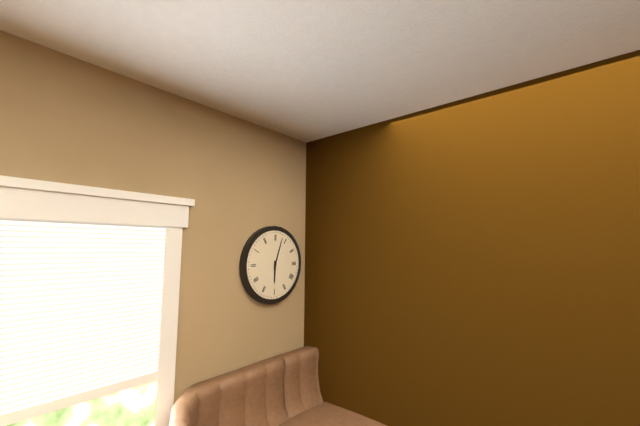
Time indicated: 6:03
